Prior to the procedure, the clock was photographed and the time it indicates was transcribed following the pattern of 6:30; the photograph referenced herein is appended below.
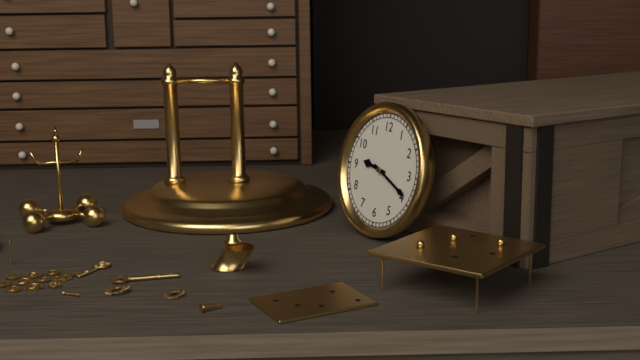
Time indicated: 9:19
